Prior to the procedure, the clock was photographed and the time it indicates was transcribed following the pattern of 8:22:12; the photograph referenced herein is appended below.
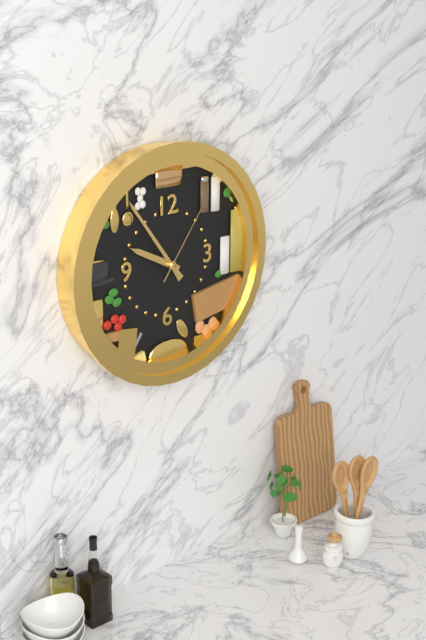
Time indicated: 9:54:06
